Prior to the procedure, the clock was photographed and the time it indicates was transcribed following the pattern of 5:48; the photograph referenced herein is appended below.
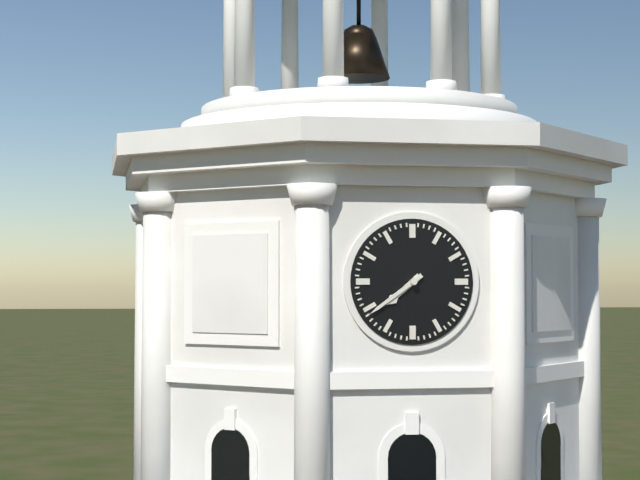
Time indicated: 7:39
